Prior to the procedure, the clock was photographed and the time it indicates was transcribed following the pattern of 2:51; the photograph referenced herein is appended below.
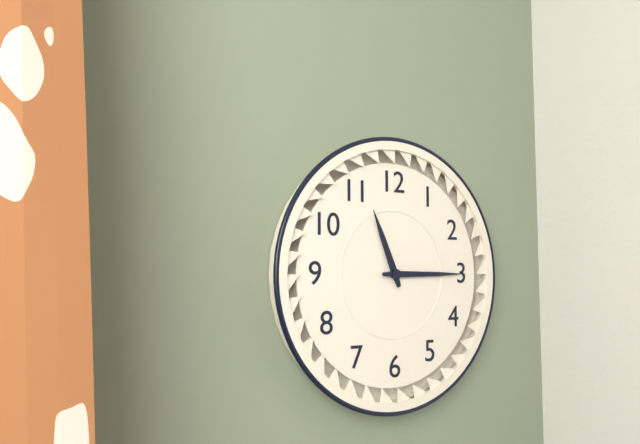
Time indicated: 11:15
